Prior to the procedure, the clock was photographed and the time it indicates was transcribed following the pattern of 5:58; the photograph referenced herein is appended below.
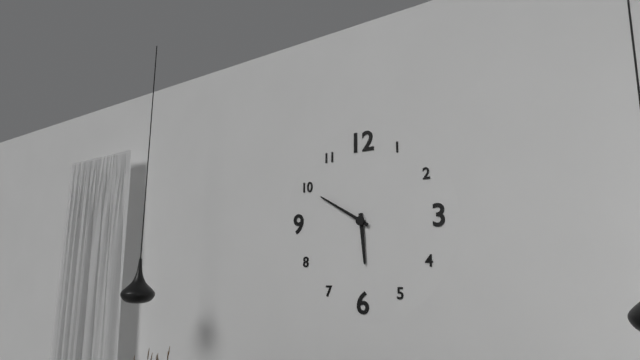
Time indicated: 5:50
